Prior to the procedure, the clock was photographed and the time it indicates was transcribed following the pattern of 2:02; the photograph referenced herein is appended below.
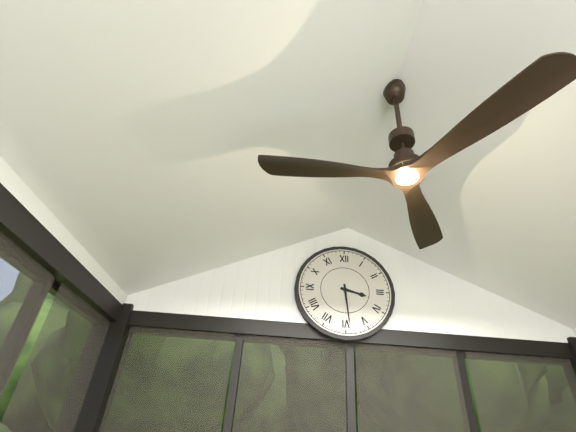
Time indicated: 3:29
